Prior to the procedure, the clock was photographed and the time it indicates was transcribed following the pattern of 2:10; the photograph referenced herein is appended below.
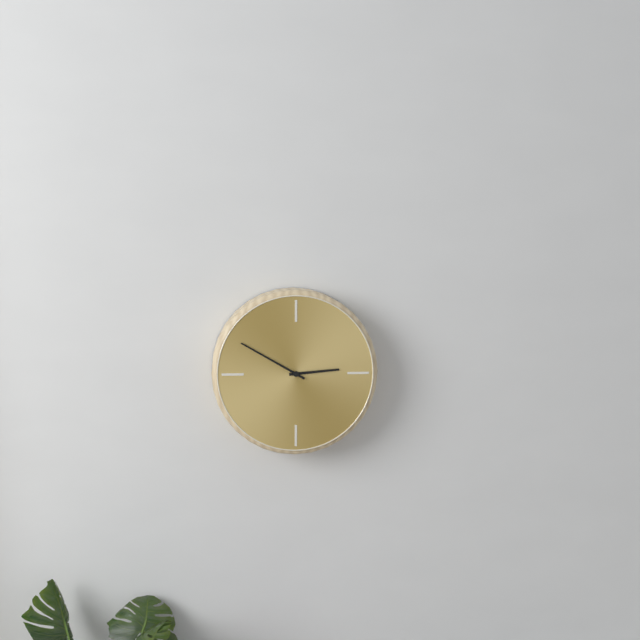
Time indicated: 2:50
